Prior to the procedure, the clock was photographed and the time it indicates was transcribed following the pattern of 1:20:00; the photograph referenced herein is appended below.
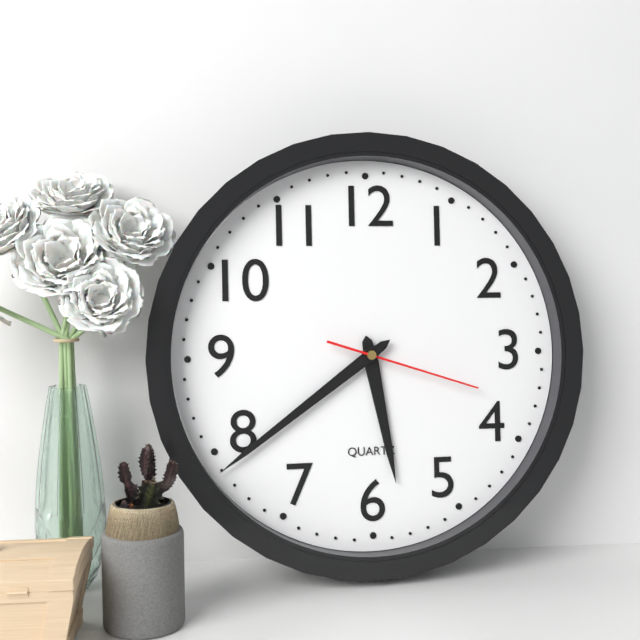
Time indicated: 5:39:18
